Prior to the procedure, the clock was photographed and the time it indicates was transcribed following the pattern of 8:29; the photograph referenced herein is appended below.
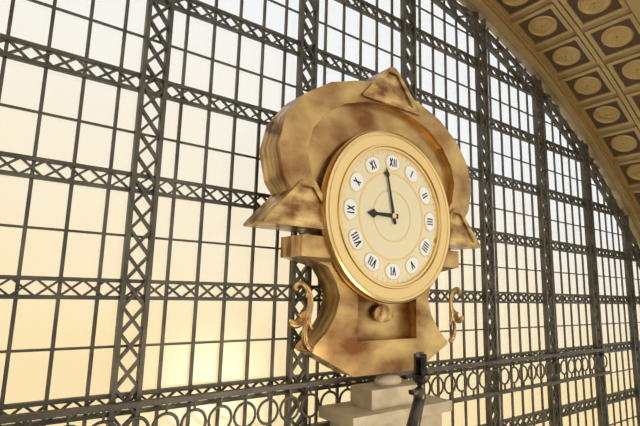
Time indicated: 8:58
